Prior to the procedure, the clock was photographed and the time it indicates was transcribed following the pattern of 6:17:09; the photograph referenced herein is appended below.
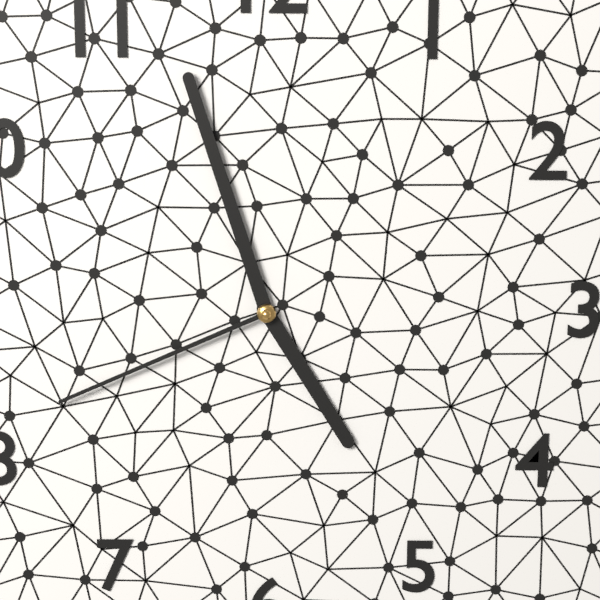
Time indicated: 4:57:41
